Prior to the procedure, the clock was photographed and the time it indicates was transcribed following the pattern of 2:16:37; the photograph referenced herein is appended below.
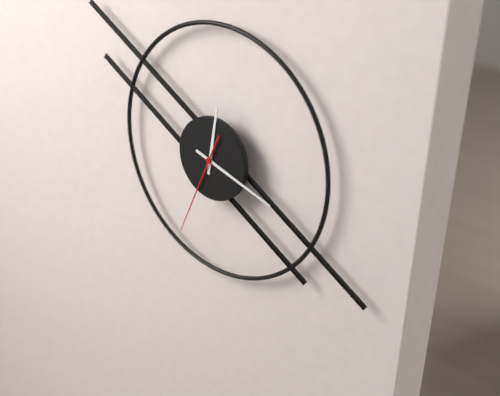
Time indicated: 12:18:34
